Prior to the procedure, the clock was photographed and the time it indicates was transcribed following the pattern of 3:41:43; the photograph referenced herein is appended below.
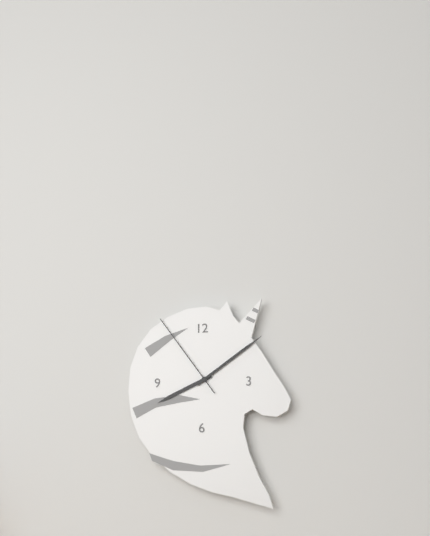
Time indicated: 8:09:54
